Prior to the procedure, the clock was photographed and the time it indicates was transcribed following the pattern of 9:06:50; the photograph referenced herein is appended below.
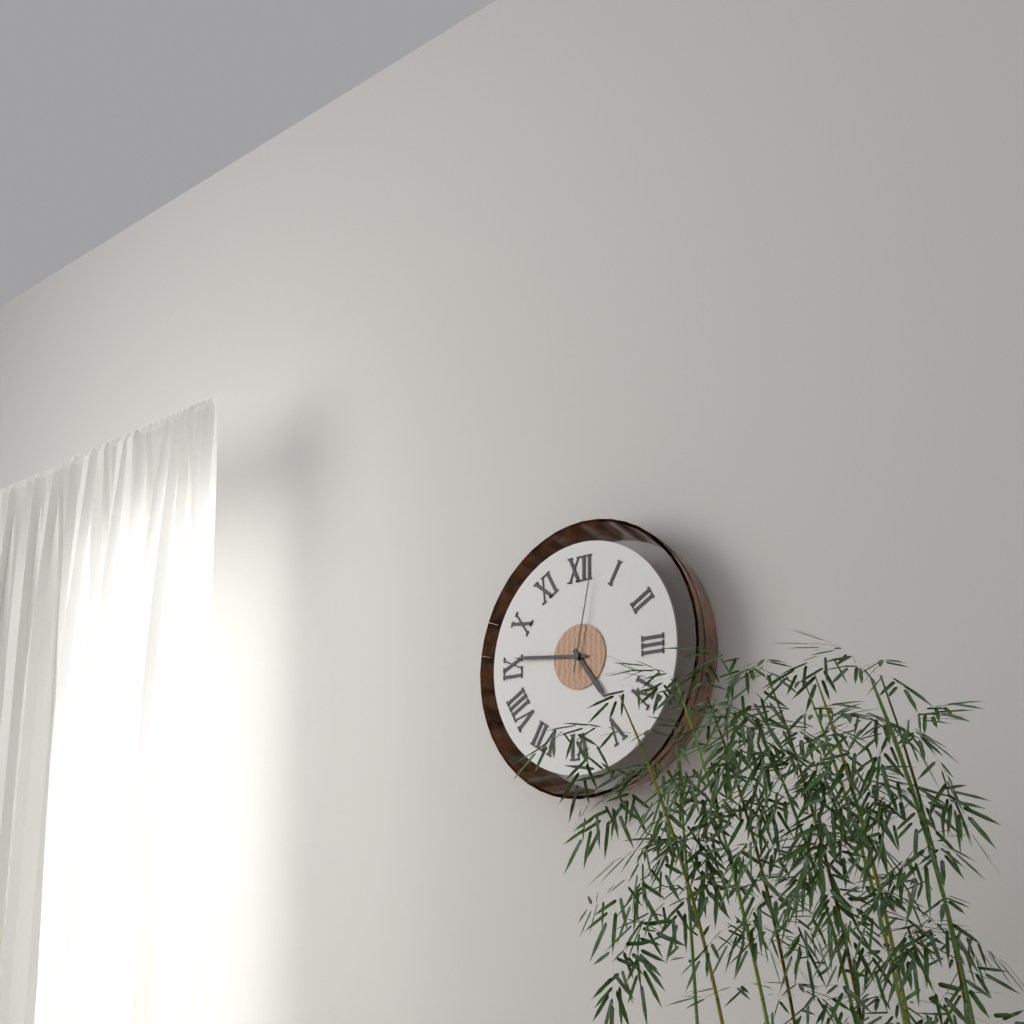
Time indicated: 4:46:02
